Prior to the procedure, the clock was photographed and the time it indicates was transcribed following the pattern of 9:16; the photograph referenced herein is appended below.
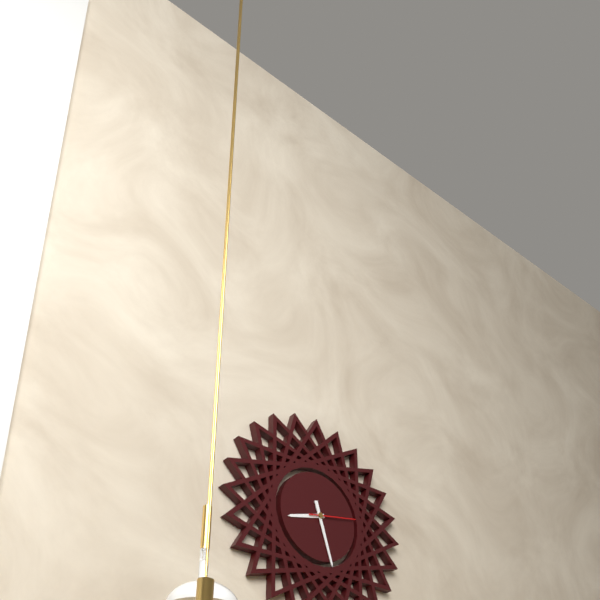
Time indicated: 8:27
